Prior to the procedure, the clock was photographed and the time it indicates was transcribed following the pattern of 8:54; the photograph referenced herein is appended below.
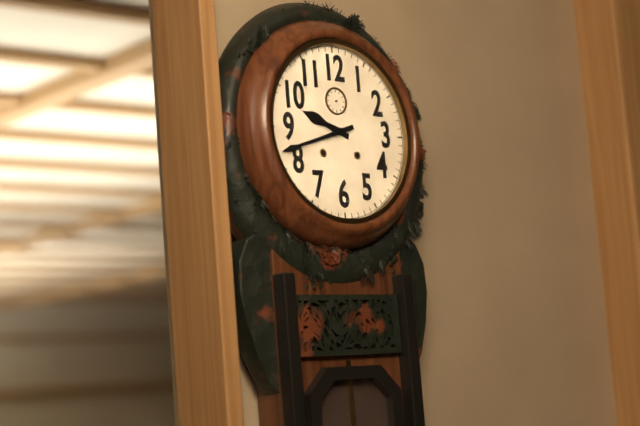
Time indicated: 9:42
